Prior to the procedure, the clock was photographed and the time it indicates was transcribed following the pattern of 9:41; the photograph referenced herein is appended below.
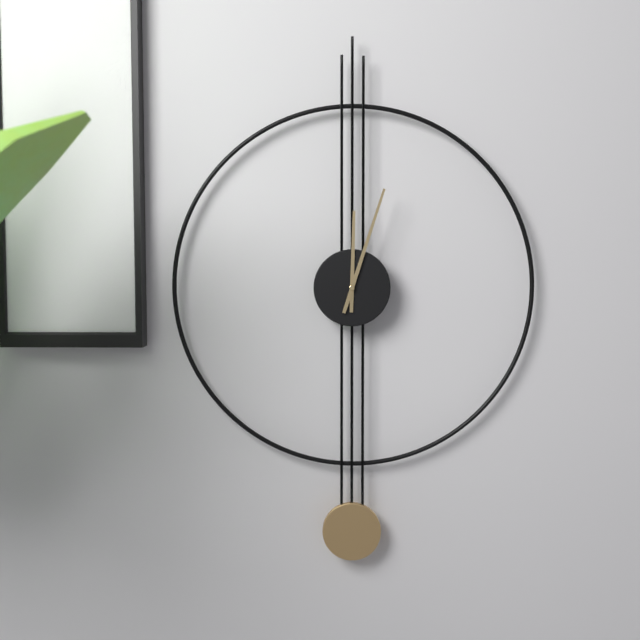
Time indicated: 12:03
